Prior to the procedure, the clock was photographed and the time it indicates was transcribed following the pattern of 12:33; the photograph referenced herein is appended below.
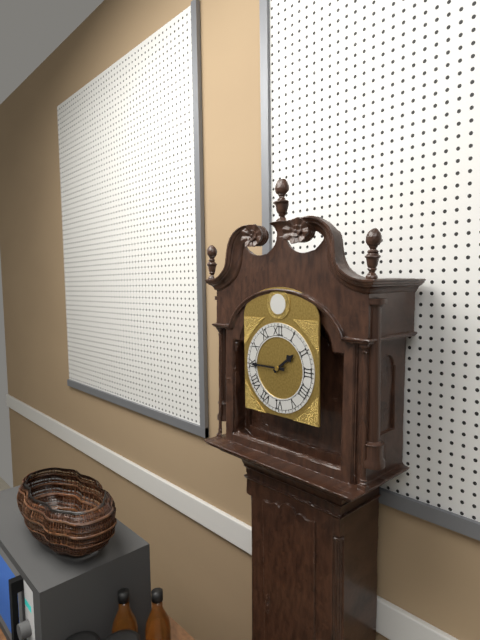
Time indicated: 1:45
